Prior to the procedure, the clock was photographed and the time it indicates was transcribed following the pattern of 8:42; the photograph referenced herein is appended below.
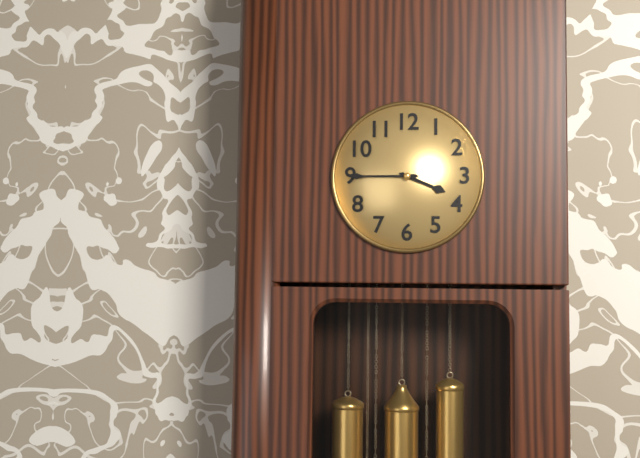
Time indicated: 3:45
